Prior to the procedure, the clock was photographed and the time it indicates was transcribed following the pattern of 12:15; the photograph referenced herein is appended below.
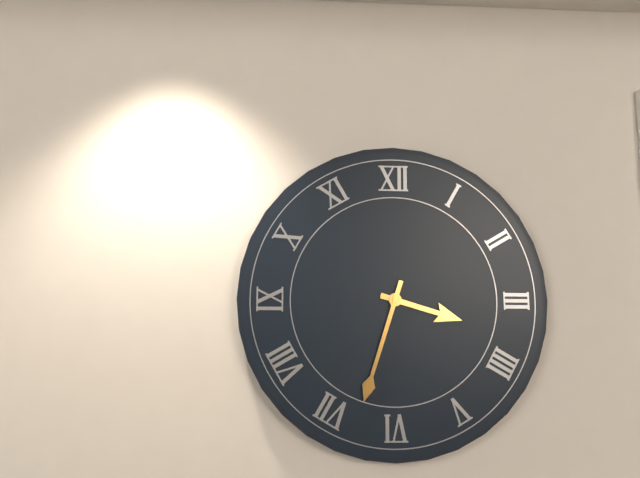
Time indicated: 3:33
